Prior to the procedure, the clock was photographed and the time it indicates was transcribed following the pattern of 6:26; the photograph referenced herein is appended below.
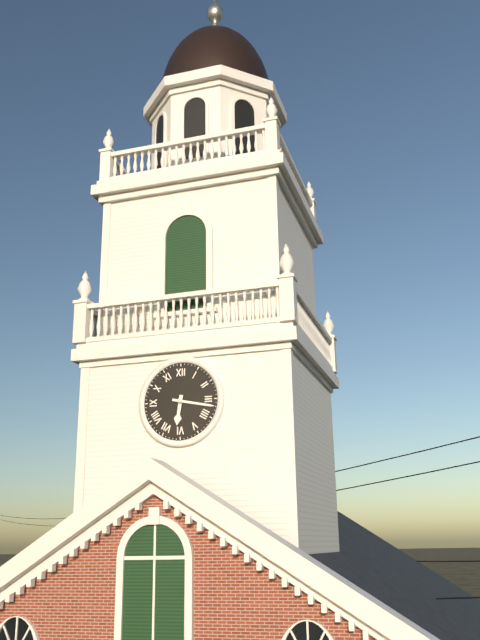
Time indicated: 6:17
